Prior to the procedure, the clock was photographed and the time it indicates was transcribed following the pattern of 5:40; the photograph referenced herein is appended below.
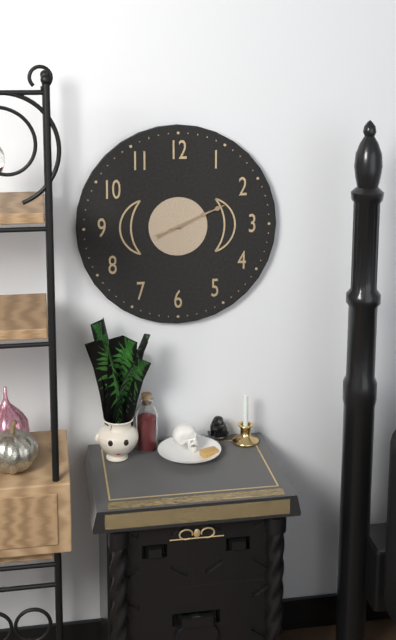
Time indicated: 2:11
